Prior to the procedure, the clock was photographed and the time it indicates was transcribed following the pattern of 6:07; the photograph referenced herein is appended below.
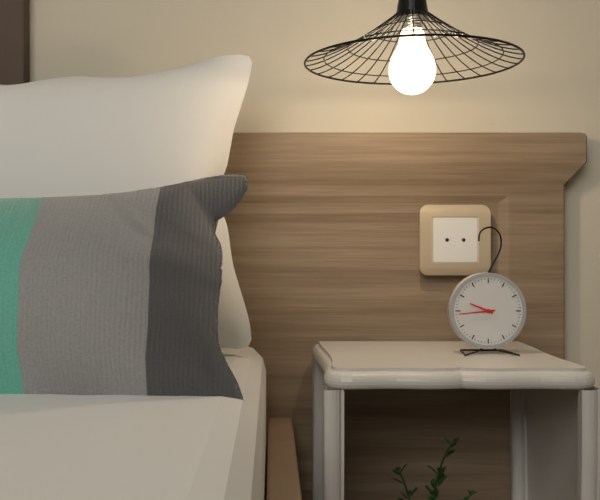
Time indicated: 9:44
